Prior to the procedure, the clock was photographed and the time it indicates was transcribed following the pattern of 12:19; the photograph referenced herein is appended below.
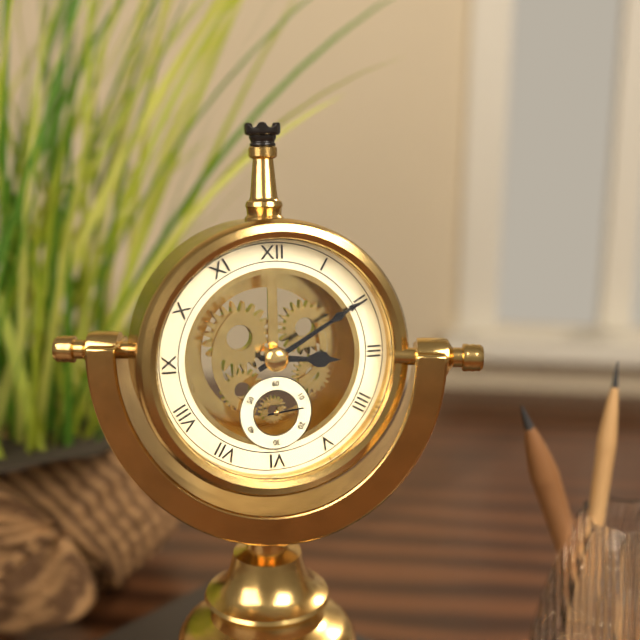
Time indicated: 3:10
